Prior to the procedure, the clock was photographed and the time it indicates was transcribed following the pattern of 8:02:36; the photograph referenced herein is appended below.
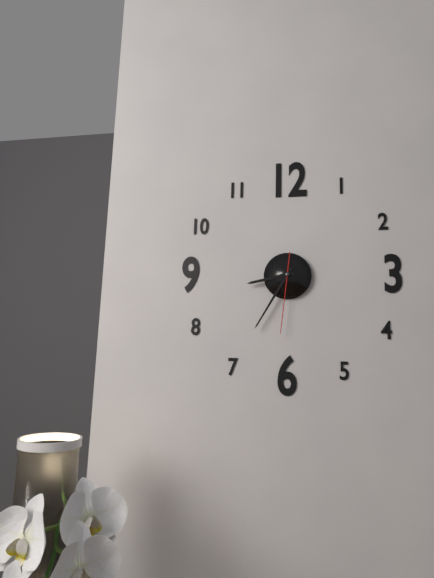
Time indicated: 8:35:31
